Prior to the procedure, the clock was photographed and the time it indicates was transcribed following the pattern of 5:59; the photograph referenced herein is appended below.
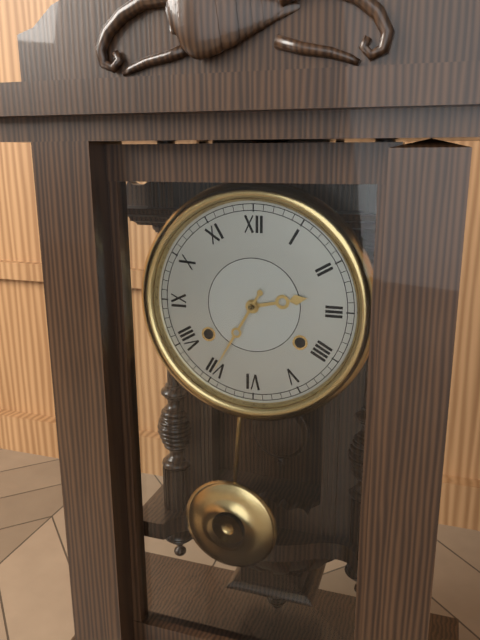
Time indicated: 2:35
